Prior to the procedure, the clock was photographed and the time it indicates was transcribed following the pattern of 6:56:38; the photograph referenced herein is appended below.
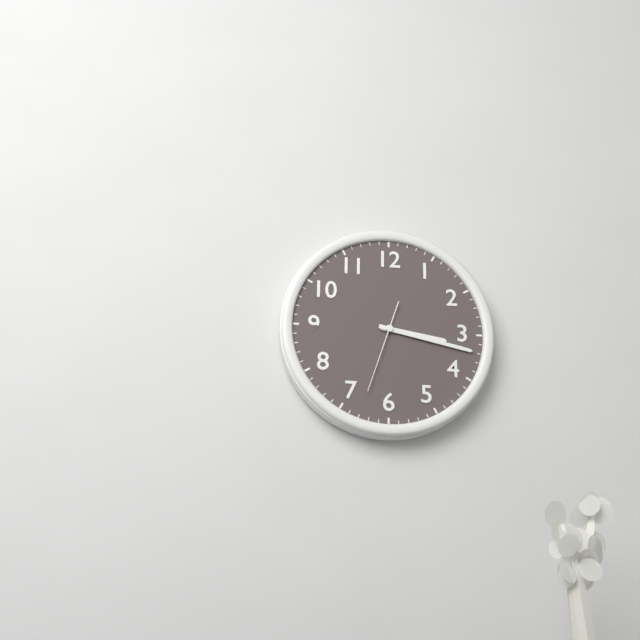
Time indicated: 3:17:33
